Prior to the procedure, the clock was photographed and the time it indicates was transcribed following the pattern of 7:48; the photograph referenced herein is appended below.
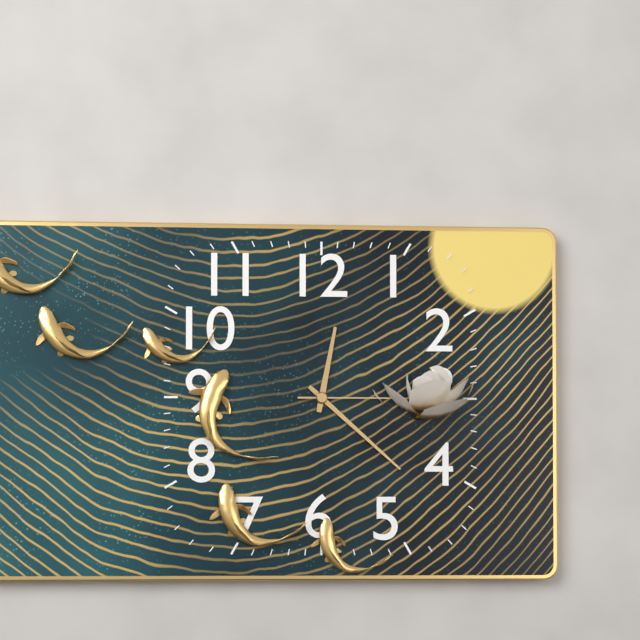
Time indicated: 12:22
